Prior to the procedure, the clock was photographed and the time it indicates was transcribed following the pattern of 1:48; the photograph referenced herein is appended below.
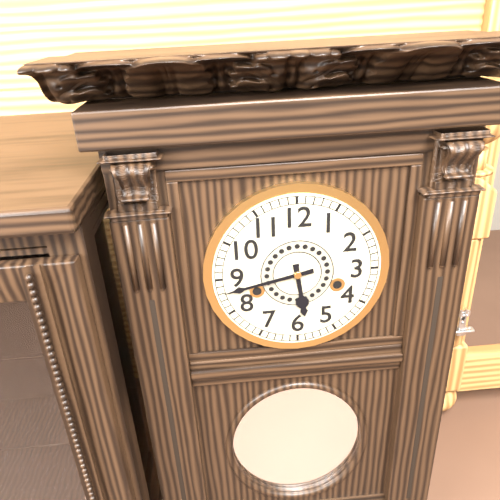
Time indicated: 5:43
